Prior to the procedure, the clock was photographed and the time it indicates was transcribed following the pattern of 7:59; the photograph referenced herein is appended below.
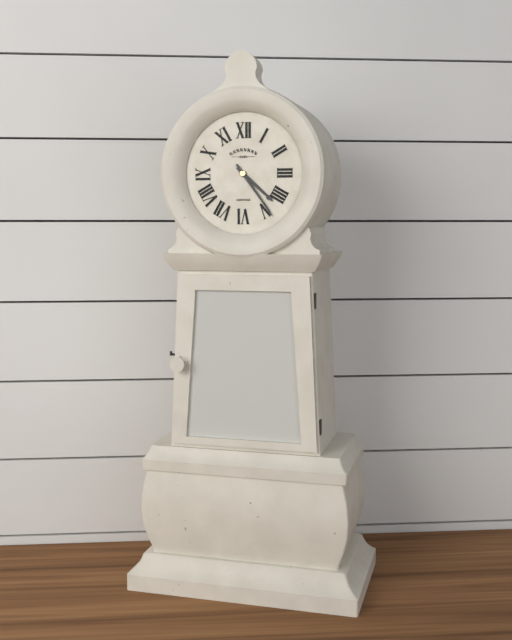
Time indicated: 4:24
